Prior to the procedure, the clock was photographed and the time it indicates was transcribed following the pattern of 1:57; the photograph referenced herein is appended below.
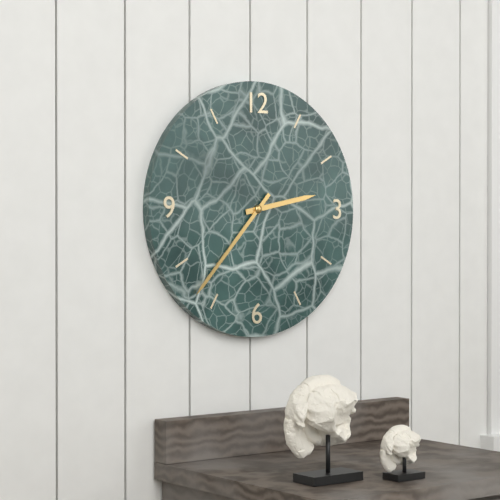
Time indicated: 2:37
